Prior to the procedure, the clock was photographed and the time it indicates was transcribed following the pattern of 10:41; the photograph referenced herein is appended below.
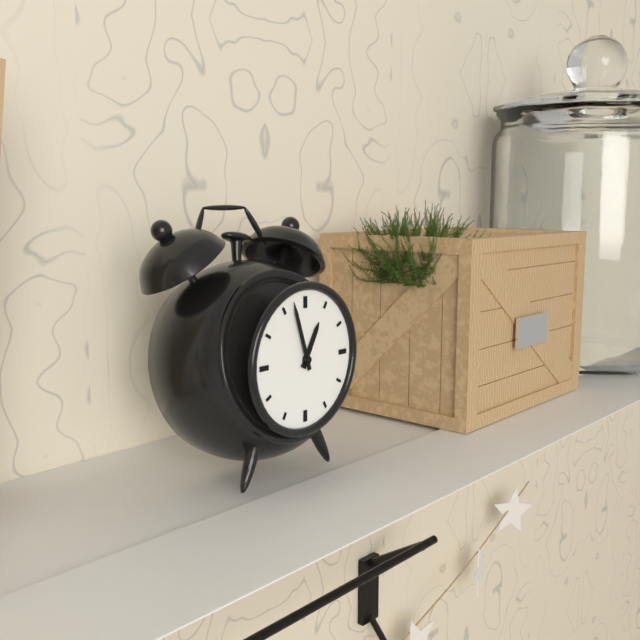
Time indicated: 12:57
